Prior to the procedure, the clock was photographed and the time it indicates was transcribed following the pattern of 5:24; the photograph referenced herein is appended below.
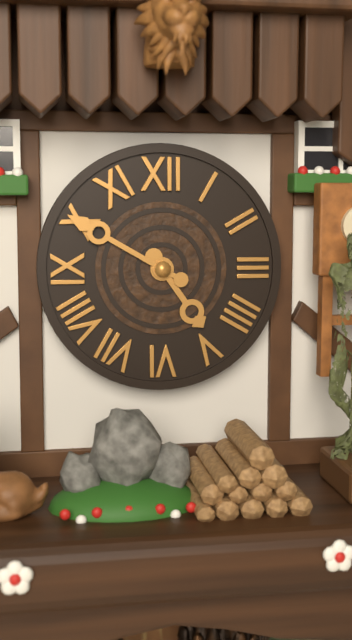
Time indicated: 4:50
